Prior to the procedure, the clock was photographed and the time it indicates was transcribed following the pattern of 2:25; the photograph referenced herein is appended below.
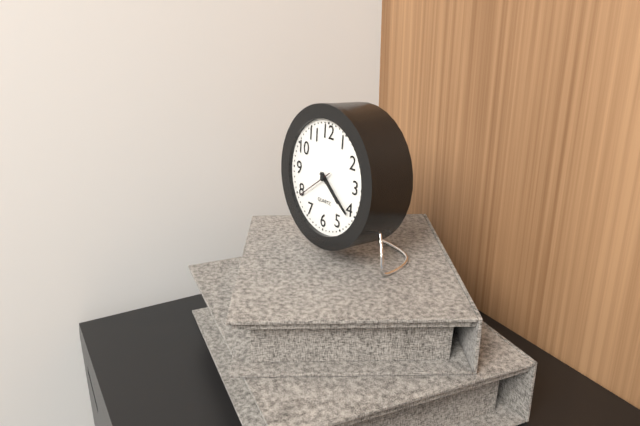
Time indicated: 4:21
